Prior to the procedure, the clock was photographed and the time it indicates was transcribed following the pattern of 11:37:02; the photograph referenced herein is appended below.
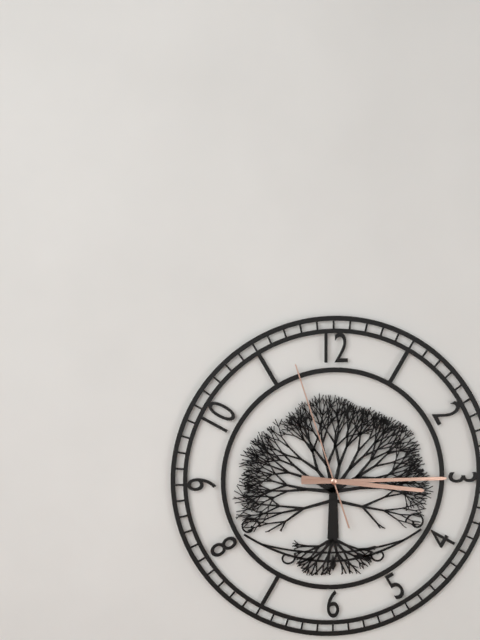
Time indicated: 3:15:57
